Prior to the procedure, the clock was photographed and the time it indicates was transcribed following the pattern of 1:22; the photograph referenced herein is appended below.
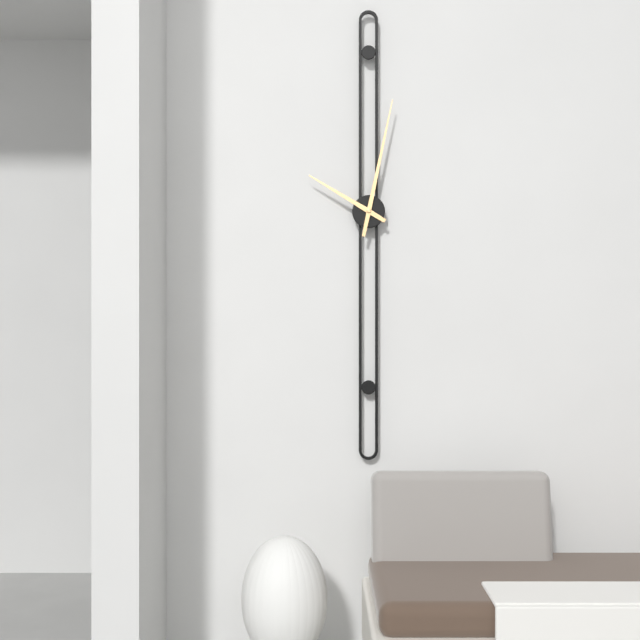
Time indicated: 10:02
